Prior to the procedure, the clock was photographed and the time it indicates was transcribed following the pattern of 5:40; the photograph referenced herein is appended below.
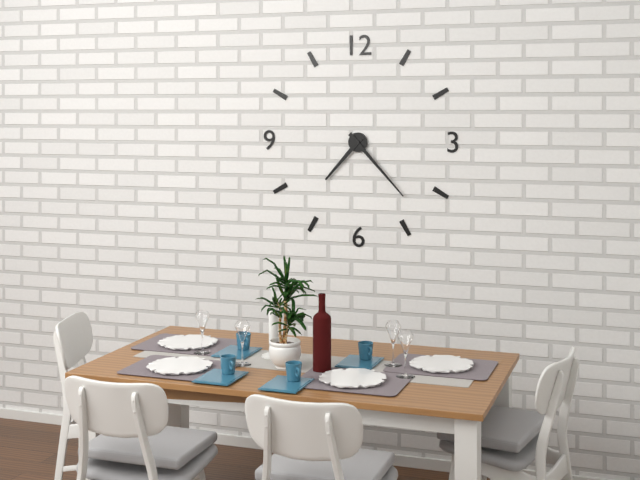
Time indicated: 7:23
